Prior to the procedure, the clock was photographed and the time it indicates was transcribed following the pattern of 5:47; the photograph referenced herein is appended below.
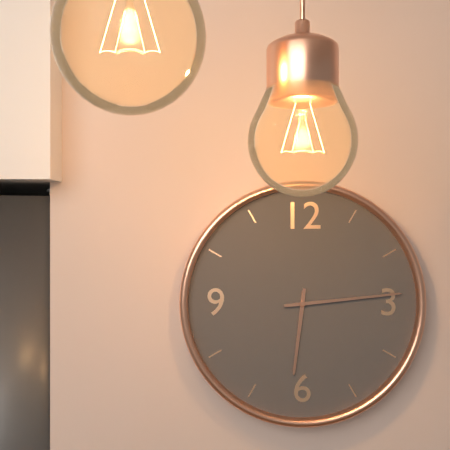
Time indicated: 6:14
